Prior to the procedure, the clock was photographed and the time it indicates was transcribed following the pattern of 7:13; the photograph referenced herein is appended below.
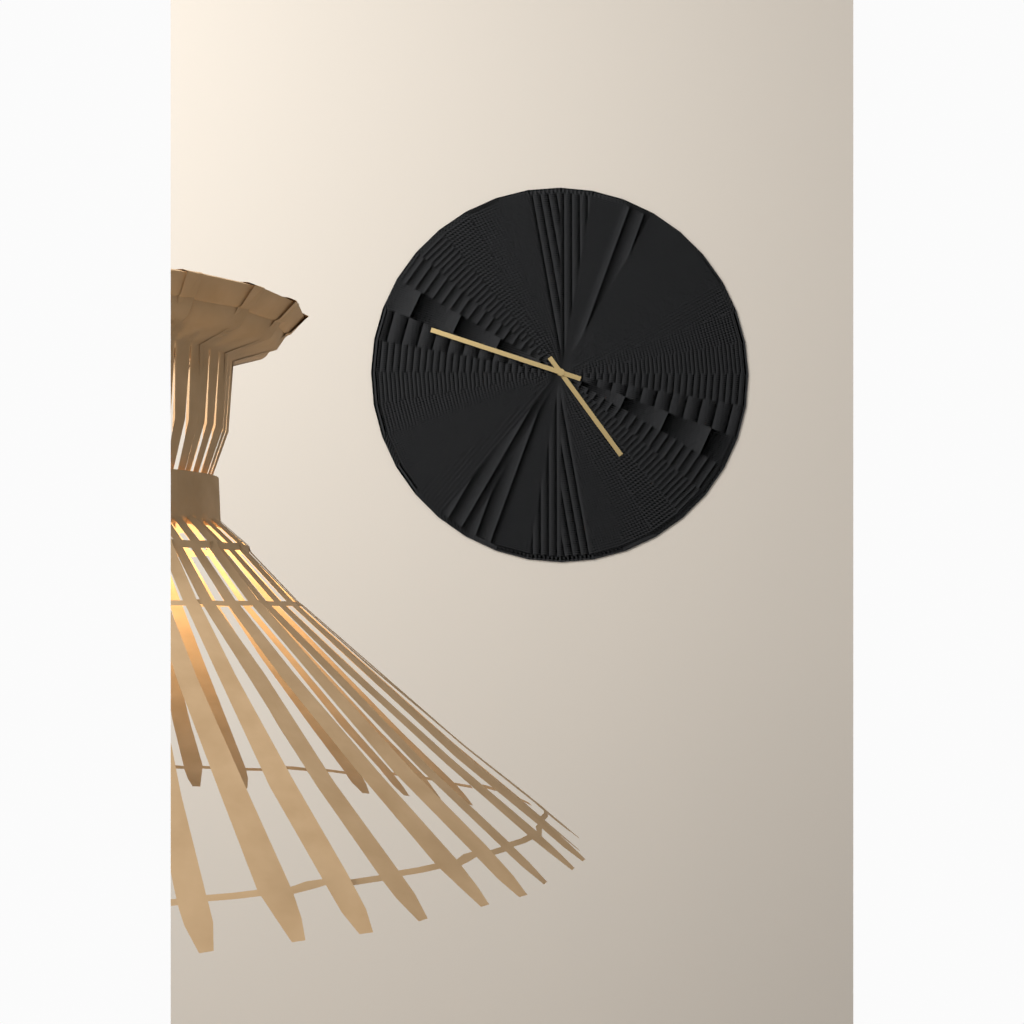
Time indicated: 4:48
